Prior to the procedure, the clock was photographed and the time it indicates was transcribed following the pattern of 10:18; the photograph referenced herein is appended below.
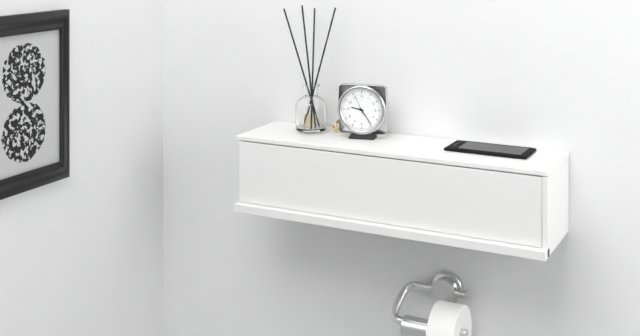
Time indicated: 9:24
